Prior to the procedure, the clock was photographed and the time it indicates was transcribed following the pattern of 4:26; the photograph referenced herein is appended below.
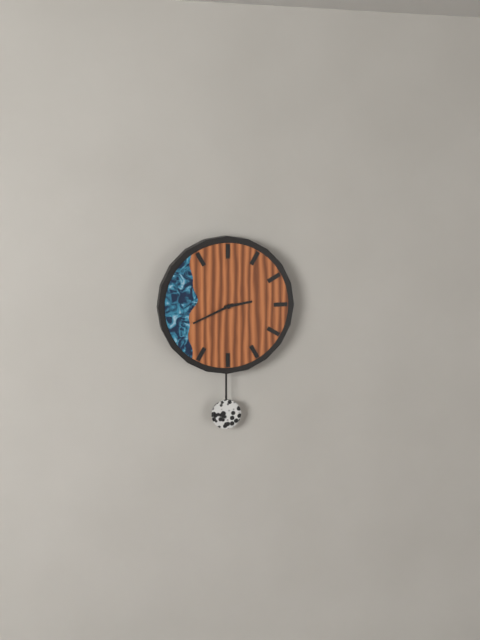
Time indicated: 2:41
